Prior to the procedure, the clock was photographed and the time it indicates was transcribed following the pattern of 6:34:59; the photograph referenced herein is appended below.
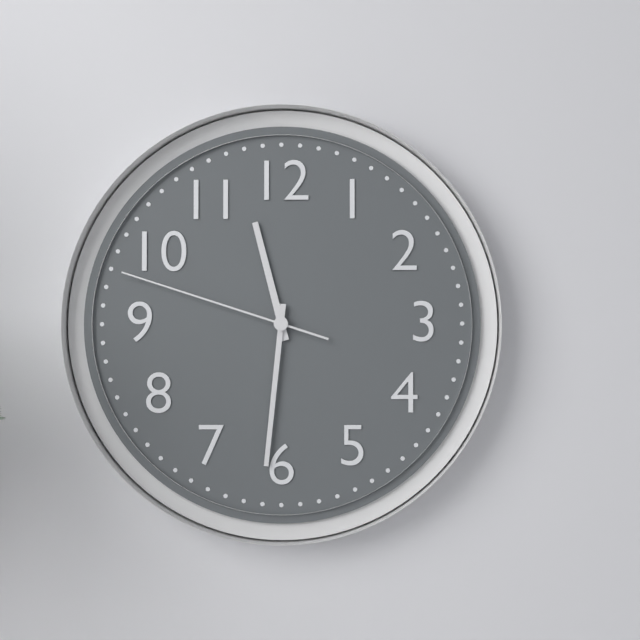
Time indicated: 11:31:48
